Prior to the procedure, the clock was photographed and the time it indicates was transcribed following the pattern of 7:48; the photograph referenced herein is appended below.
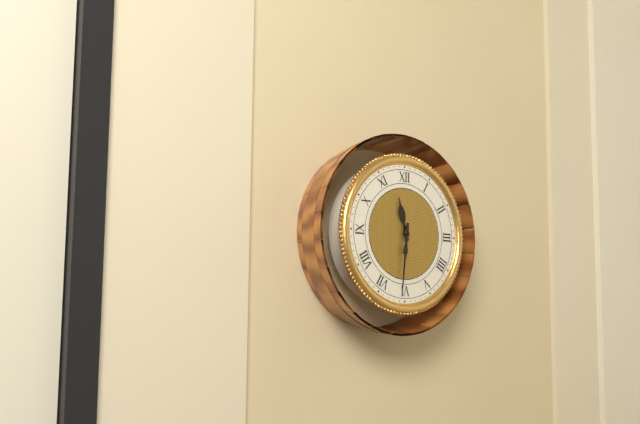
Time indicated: 11:31
